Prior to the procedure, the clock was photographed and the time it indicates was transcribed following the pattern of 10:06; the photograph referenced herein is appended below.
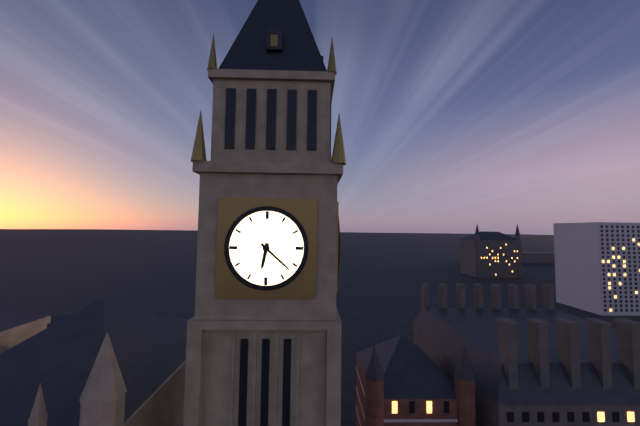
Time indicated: 6:22
